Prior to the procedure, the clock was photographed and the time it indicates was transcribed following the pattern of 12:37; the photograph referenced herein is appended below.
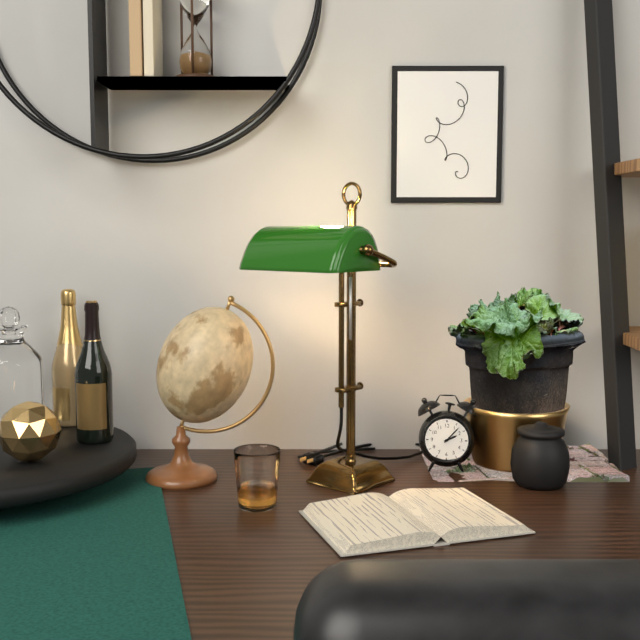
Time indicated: 2:07
